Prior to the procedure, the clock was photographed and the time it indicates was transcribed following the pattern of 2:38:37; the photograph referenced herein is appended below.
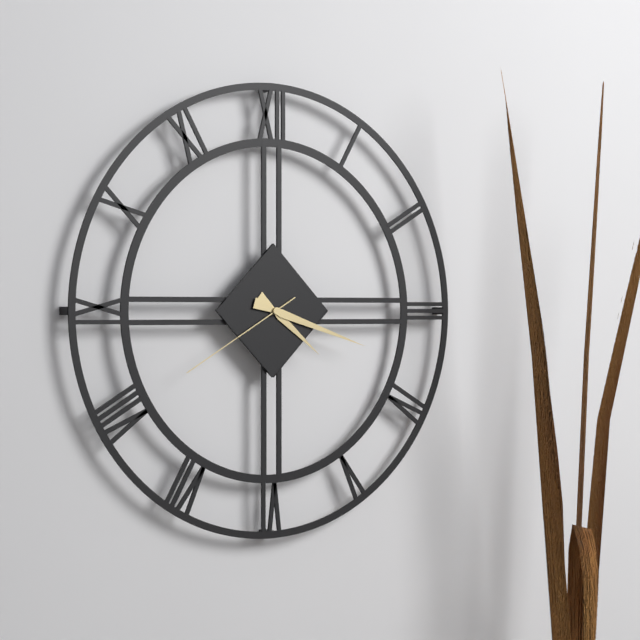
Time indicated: 4:18:40
